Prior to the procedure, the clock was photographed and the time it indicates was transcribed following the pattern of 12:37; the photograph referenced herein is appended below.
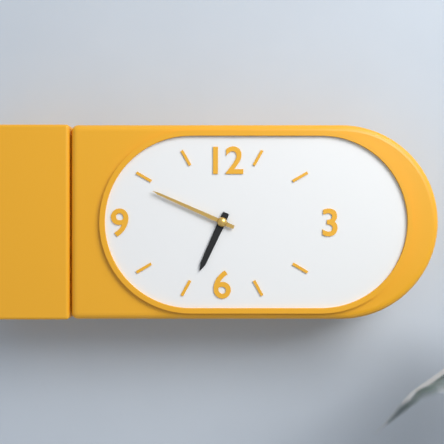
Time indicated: 6:49
